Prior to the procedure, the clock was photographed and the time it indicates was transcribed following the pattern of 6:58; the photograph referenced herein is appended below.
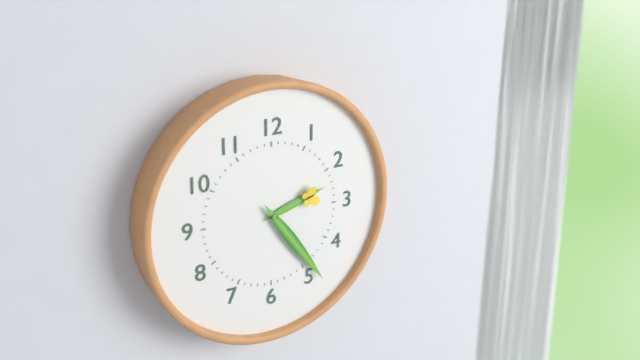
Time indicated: 2:24
